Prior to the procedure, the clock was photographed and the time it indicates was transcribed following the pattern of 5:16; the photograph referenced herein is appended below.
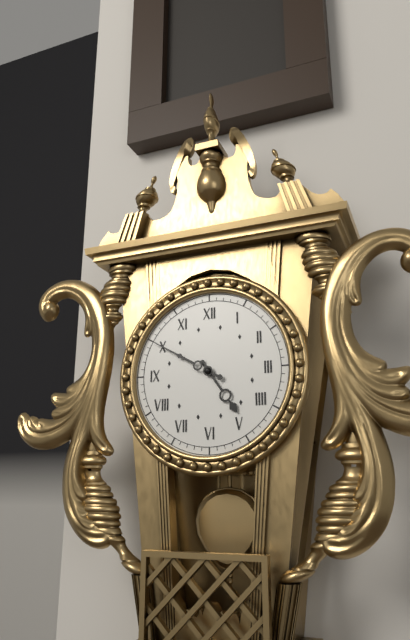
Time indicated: 4:50
